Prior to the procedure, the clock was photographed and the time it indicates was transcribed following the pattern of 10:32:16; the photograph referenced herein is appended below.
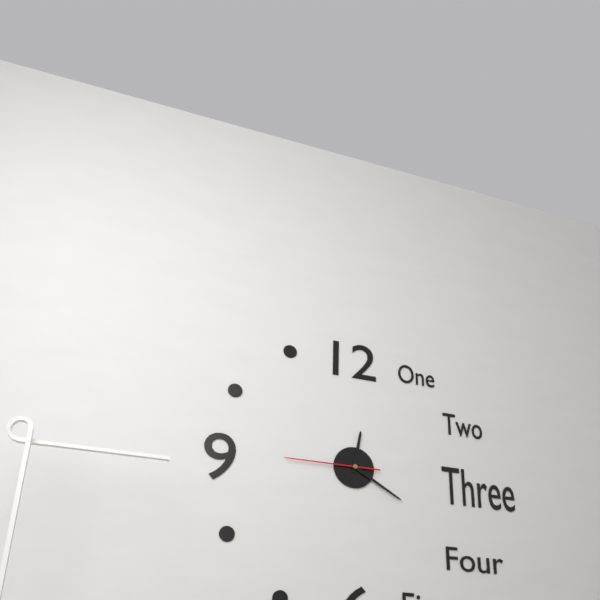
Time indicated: 12:20:45
